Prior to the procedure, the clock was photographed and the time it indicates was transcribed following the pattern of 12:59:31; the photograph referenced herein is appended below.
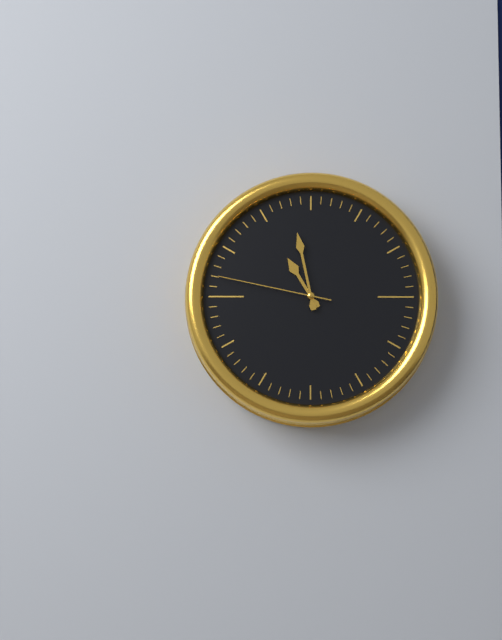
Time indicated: 10:58:47
